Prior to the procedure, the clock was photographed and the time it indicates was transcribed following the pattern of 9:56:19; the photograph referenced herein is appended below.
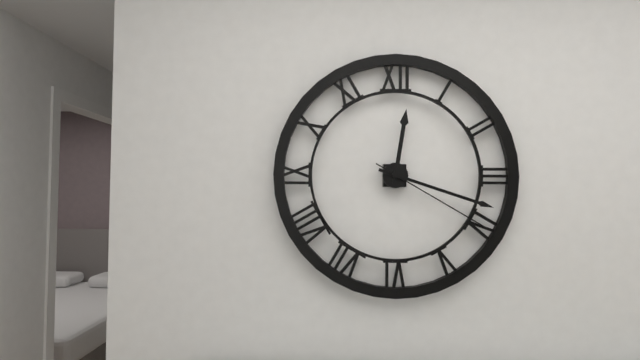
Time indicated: 12:18:20
